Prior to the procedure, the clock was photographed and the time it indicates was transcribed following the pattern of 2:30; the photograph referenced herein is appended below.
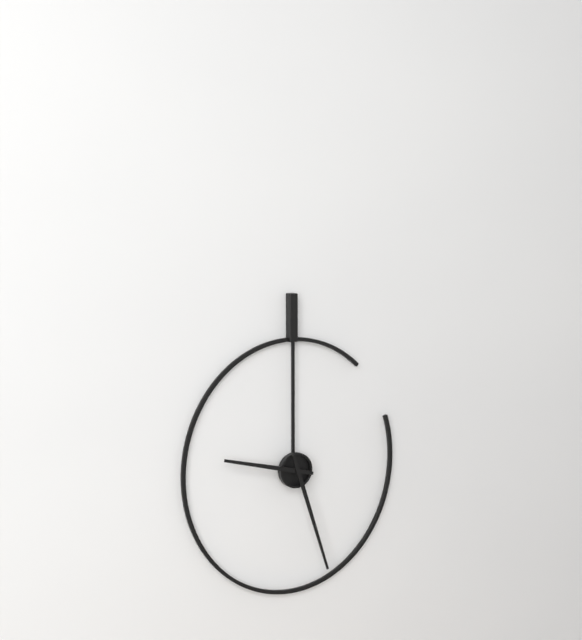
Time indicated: 9:27
